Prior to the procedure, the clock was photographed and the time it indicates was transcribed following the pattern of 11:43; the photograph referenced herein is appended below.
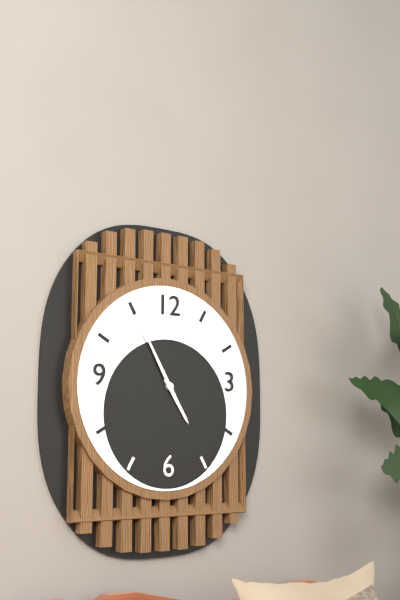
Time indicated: 4:55
